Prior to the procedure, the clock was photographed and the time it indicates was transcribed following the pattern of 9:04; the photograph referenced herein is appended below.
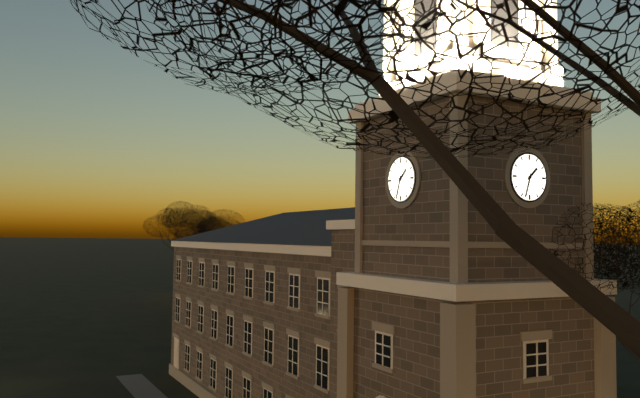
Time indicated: 1:33
